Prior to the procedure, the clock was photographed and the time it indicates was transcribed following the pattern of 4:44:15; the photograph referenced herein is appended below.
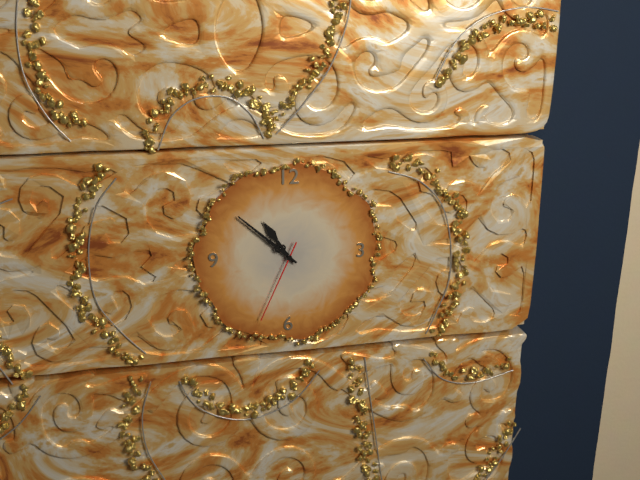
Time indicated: 10:52:34
